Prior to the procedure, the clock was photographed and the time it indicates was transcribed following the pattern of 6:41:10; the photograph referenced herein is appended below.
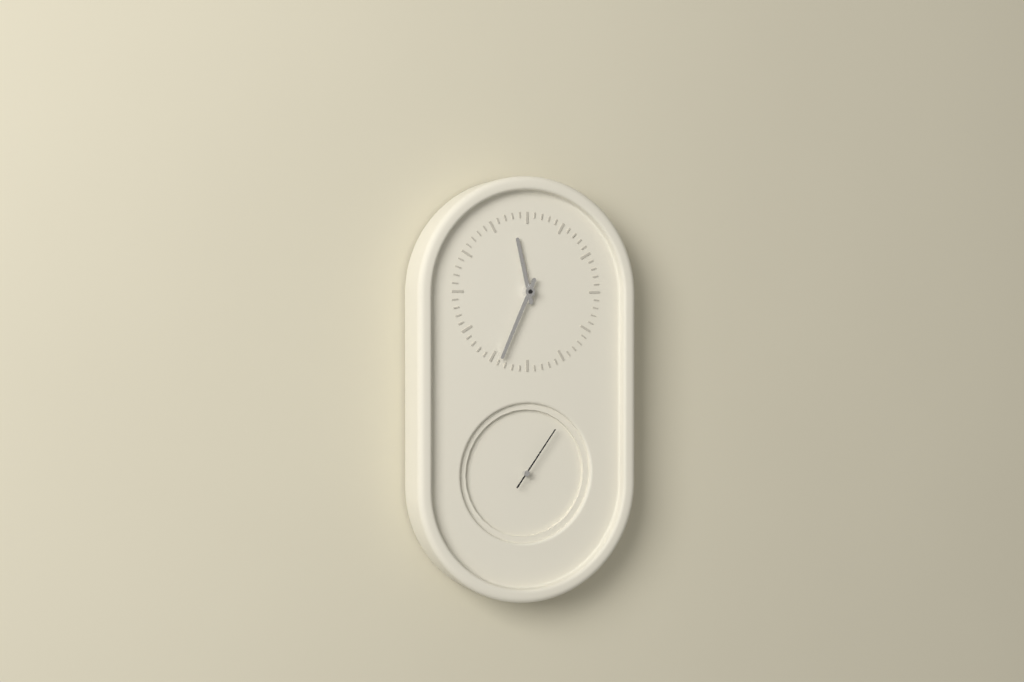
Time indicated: 11:34:06
